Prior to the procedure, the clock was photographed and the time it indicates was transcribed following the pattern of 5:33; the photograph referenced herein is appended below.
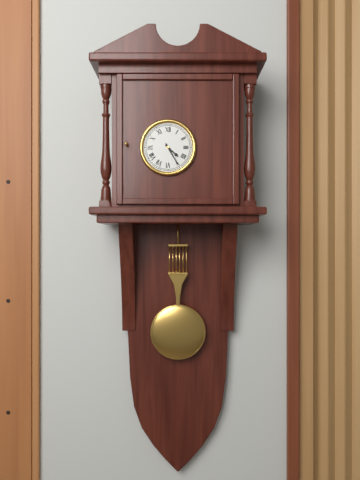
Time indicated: 4:25
